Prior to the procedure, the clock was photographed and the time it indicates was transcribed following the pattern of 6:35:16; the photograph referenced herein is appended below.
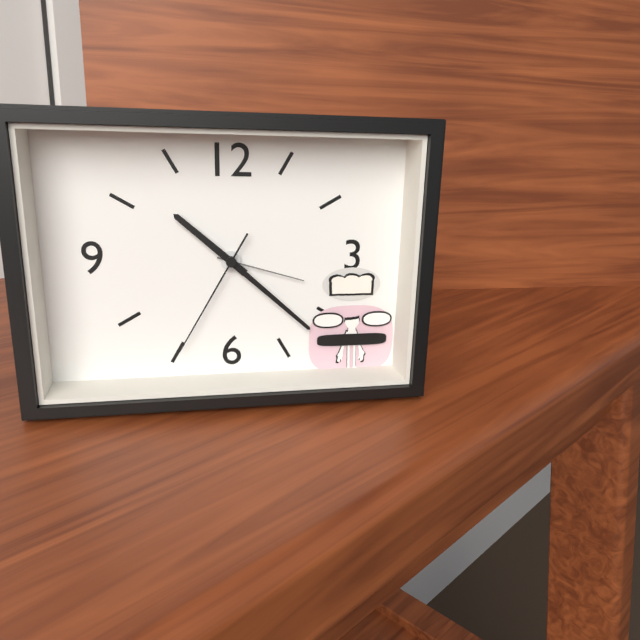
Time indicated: 10:22:35
